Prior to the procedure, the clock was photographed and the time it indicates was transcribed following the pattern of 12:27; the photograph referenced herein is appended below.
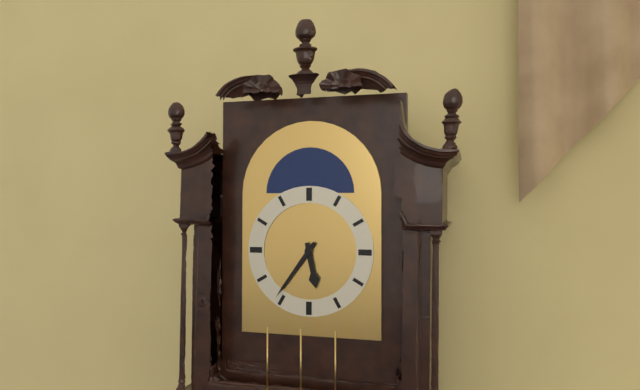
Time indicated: 5:36
